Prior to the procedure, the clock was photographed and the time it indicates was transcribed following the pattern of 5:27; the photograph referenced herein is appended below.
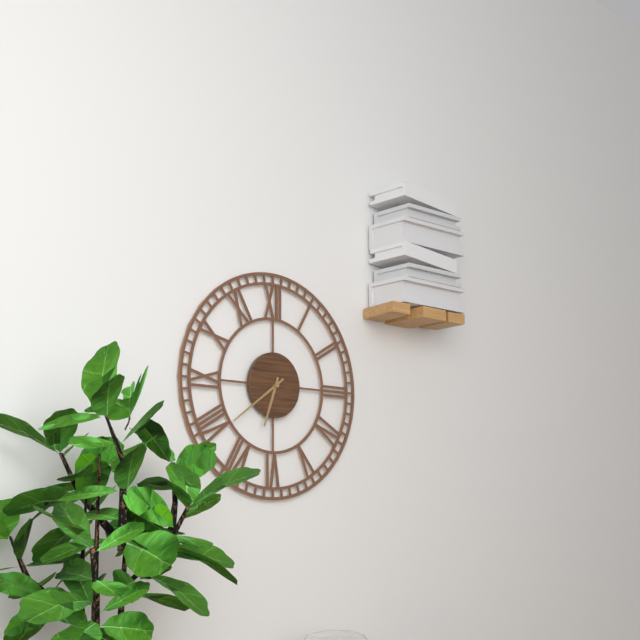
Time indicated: 6:39
